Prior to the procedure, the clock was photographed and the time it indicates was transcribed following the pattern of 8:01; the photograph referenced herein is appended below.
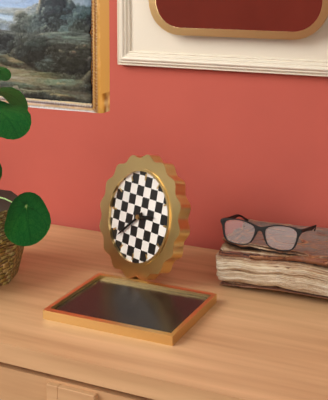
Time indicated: 2:38
